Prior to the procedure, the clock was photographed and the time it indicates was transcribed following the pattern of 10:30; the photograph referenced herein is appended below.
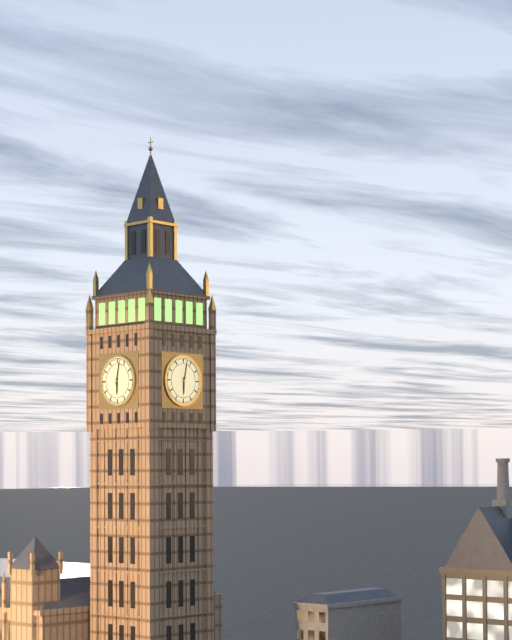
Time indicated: 6:02
